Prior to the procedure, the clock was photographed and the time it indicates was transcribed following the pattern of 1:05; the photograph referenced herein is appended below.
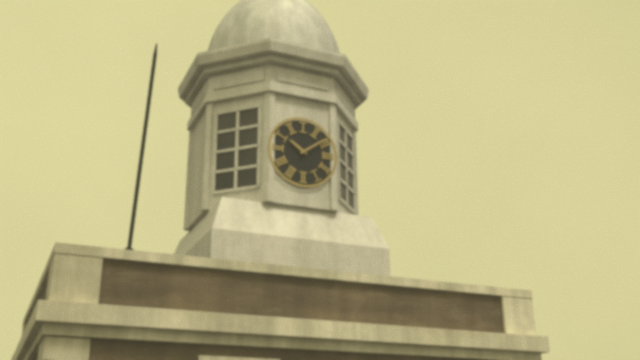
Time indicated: 10:09
